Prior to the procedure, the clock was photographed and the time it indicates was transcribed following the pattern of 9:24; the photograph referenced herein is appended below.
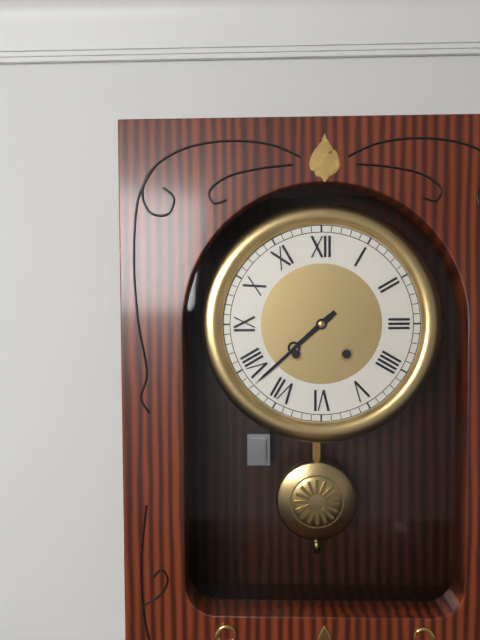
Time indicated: 7:38
